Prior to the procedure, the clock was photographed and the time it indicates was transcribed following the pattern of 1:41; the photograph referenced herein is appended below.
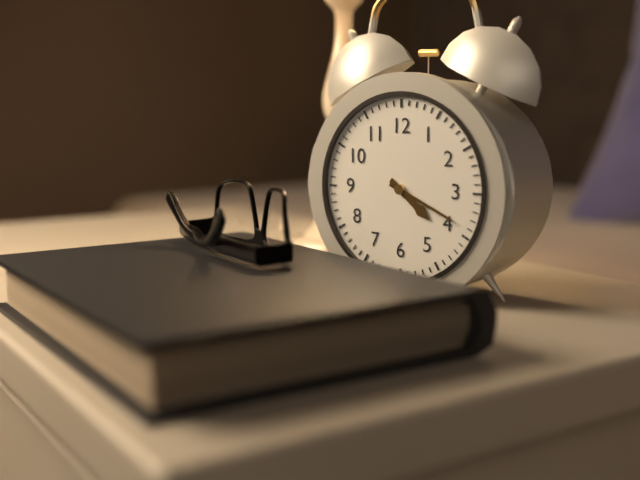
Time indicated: 4:19
